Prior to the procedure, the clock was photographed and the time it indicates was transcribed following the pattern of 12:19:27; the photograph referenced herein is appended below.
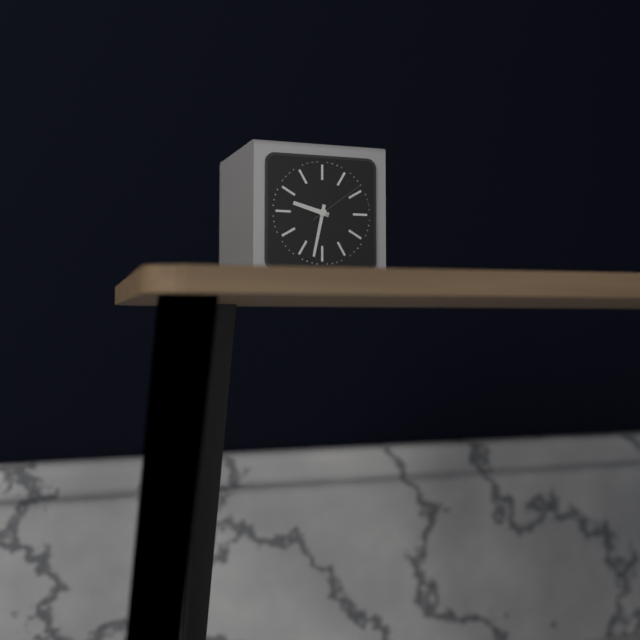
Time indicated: 9:32:09
